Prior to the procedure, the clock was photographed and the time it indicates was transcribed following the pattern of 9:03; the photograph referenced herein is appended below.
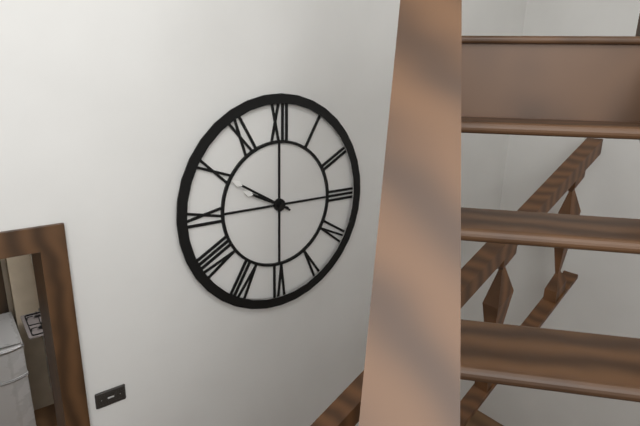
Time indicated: 9:50
